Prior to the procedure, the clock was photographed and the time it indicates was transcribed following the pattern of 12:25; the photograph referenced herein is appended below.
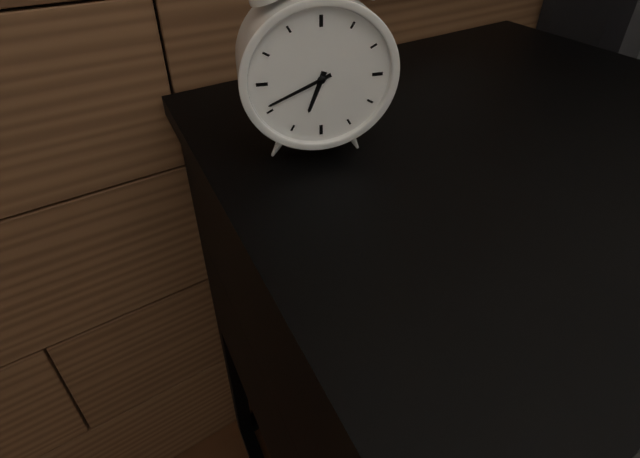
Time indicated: 6:41
